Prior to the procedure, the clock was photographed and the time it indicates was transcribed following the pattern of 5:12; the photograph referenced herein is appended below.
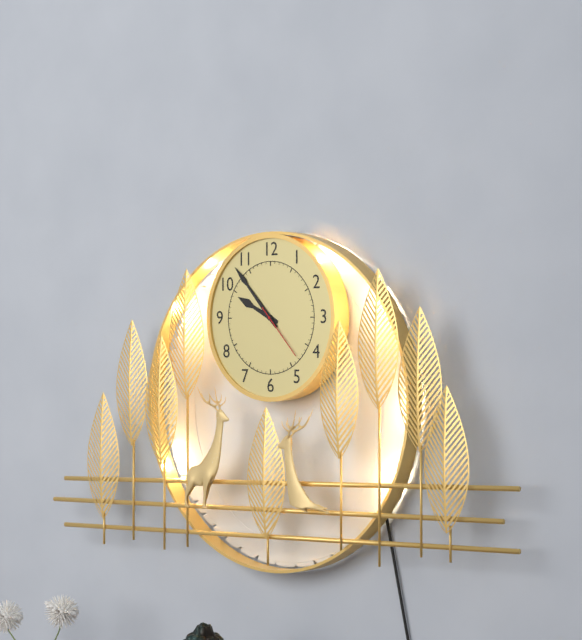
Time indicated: 9:53
